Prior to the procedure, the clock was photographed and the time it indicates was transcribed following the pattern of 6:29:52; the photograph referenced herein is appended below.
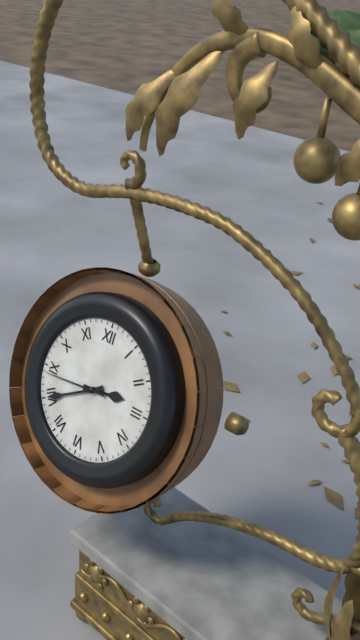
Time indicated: 2:40:44
